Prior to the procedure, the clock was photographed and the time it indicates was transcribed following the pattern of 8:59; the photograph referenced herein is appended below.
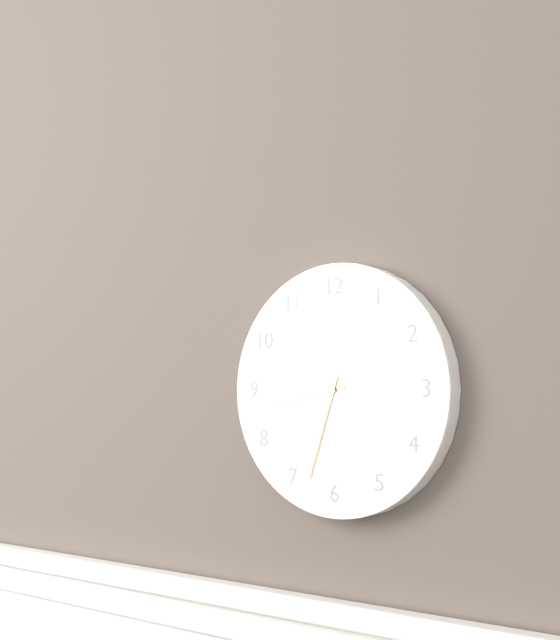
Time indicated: 8:33
